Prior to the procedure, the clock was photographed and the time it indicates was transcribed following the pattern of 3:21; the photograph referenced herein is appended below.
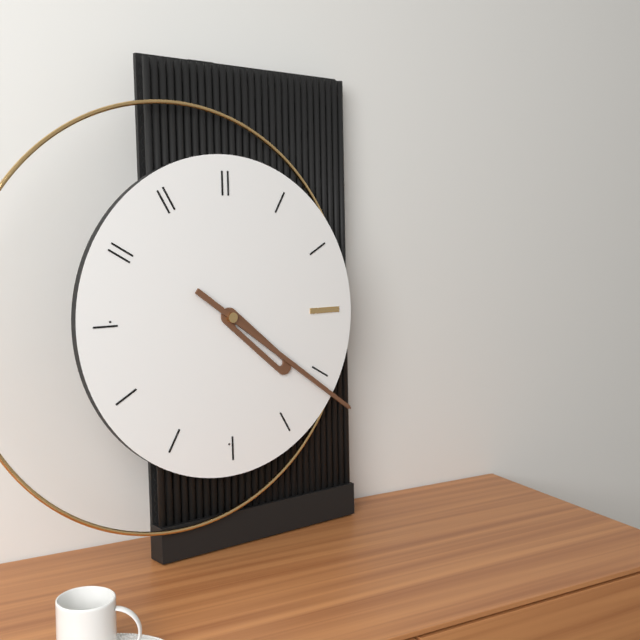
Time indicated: 4:21
